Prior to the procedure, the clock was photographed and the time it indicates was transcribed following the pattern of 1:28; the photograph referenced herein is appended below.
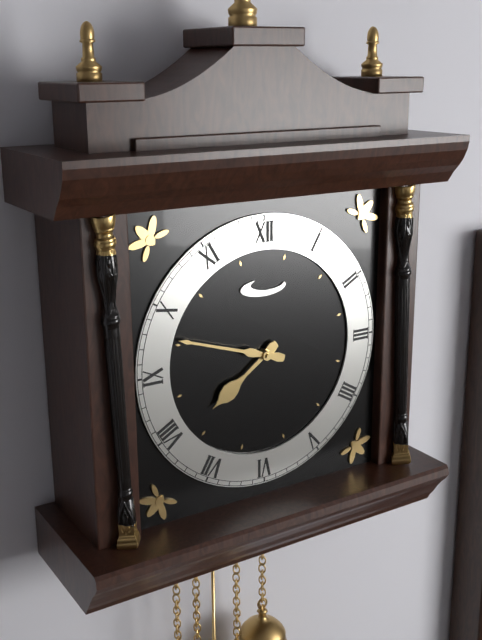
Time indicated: 7:48
